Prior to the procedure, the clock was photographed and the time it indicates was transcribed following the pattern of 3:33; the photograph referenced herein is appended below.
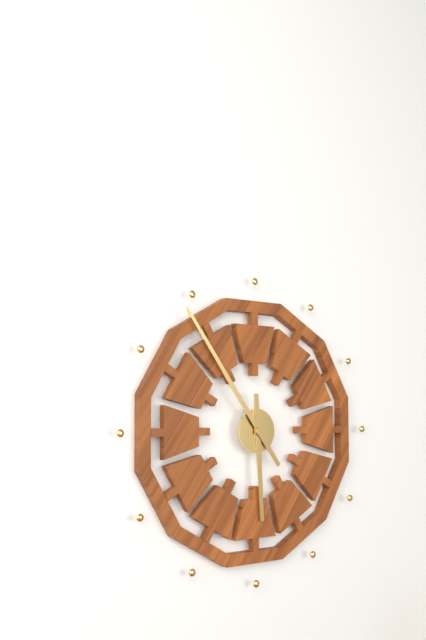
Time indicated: 5:54
